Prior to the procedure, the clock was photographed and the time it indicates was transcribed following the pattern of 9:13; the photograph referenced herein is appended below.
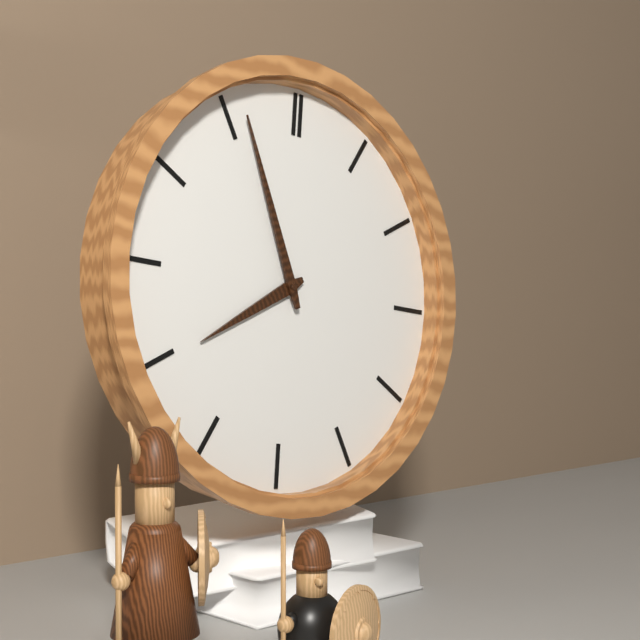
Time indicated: 7:56
